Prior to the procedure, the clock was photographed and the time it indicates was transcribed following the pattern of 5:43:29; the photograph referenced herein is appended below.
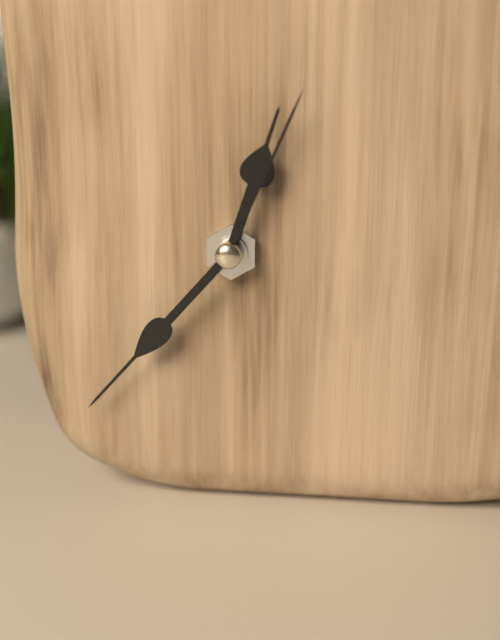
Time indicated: 12:37:04
